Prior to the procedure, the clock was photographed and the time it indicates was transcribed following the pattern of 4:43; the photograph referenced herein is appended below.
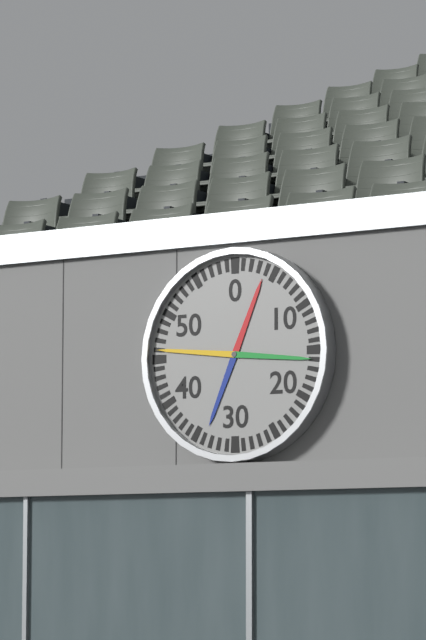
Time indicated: 12:46
